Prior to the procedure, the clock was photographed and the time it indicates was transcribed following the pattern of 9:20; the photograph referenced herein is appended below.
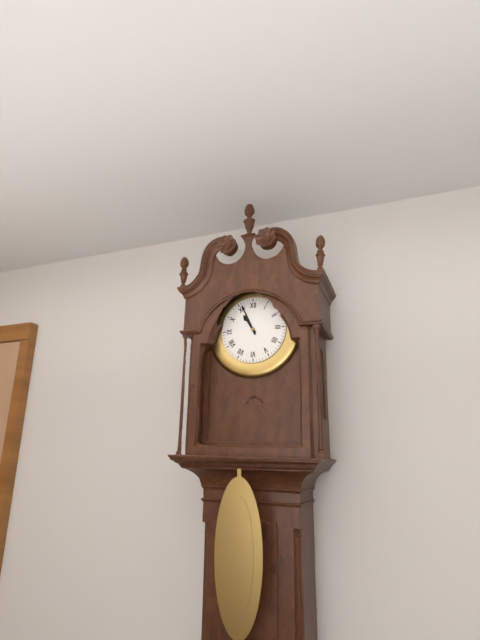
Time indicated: 10:56
